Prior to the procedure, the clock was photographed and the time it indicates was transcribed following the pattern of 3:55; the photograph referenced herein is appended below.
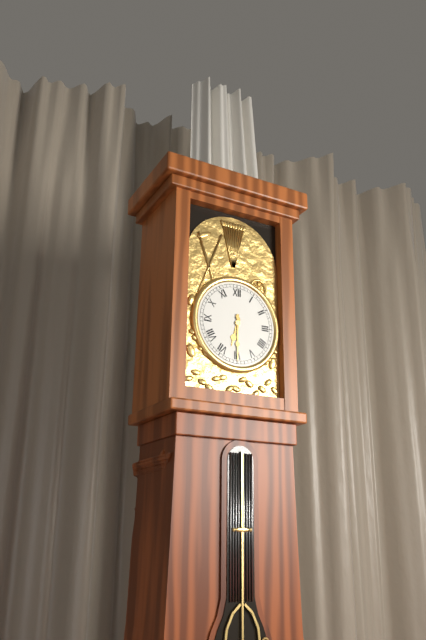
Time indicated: 6:30
